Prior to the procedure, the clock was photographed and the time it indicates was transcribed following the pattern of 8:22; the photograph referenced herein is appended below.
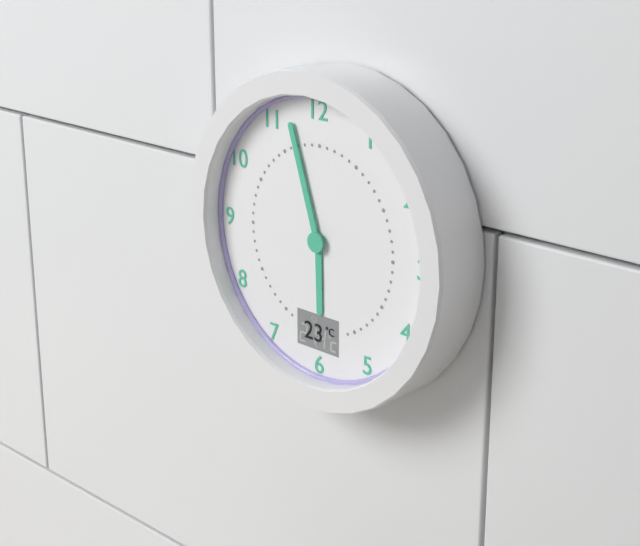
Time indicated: 5:57
